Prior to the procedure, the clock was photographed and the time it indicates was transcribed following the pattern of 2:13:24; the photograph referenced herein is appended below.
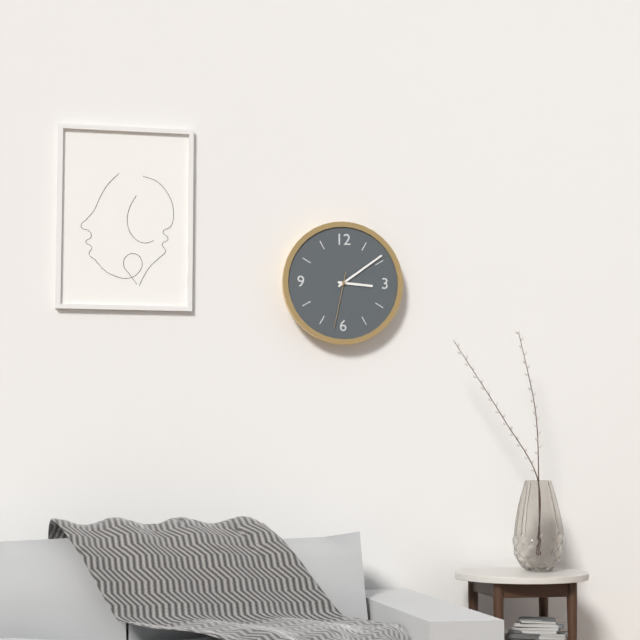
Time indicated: 3:09:32
